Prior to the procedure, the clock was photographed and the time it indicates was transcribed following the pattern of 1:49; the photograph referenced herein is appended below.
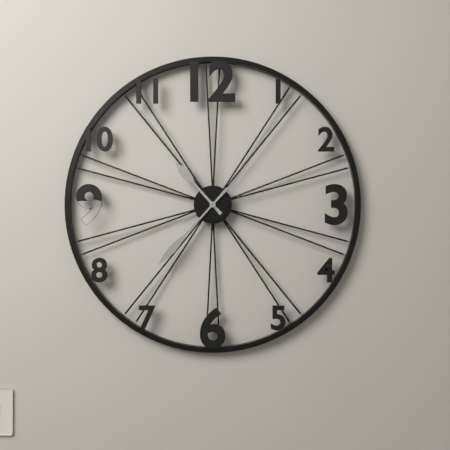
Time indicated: 10:37
